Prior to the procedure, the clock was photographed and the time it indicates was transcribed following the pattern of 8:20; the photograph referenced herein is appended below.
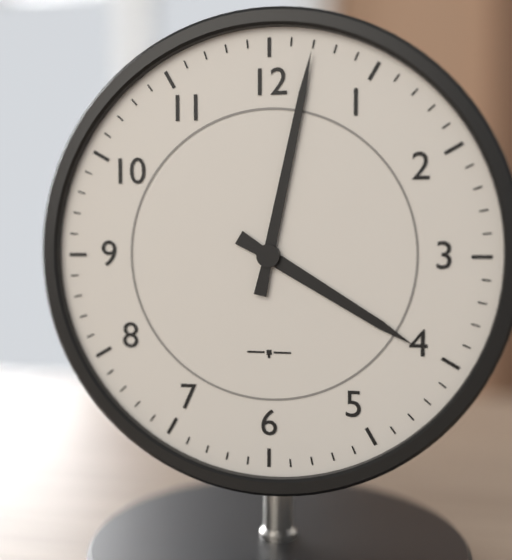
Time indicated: 4:02
